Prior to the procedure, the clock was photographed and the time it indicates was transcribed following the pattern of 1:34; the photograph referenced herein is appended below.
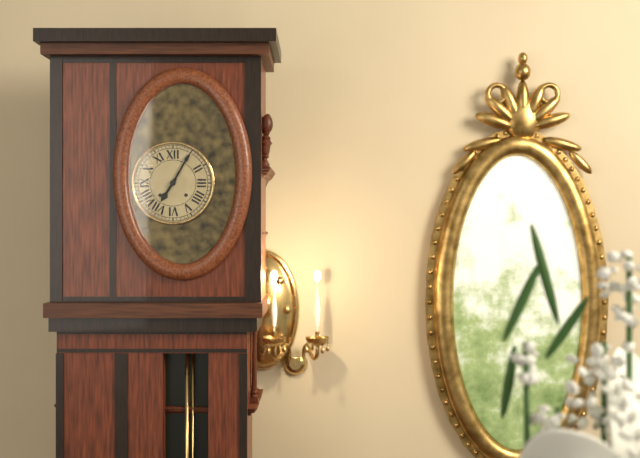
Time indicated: 7:05
